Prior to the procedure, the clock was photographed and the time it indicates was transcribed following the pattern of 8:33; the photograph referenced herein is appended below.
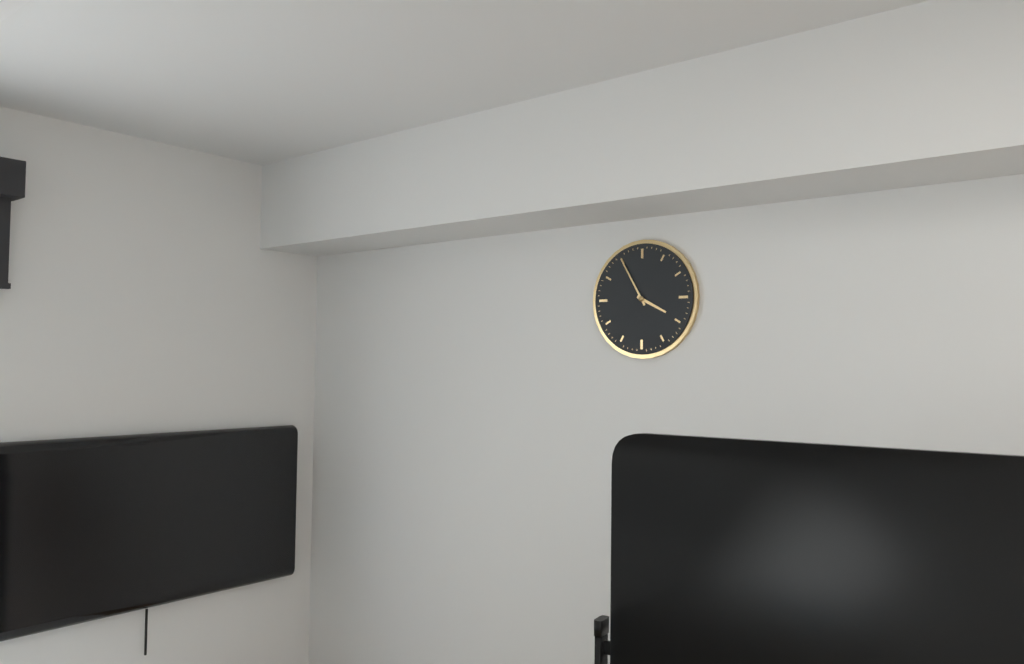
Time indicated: 3:55
